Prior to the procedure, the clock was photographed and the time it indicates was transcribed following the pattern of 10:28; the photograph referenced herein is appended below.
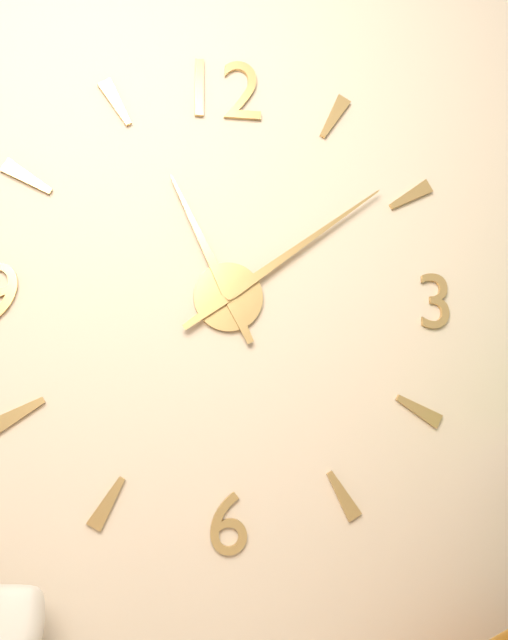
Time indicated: 11:09
